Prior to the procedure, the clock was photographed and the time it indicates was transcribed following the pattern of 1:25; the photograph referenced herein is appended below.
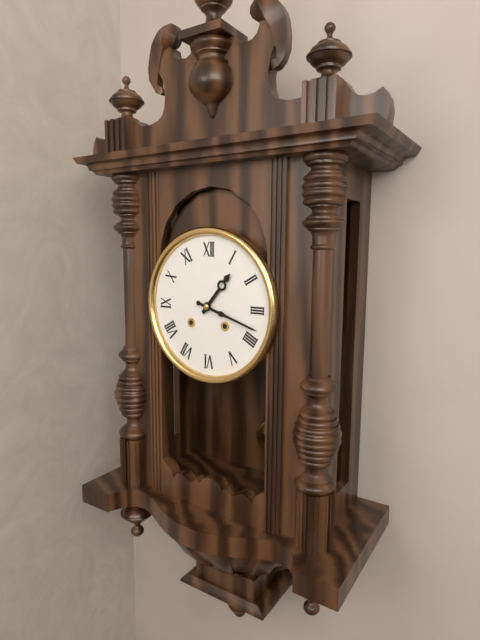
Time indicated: 1:18
